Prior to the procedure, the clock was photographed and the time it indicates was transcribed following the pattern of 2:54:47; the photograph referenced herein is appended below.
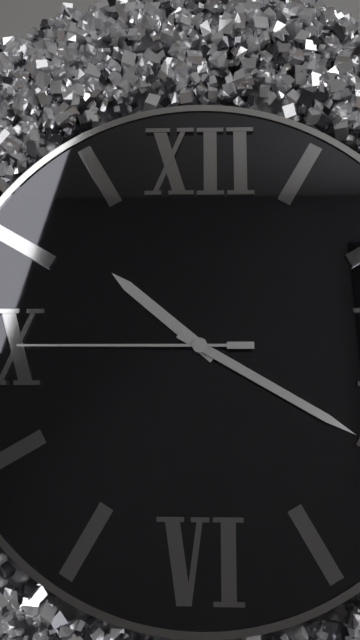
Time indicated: 10:20:45
